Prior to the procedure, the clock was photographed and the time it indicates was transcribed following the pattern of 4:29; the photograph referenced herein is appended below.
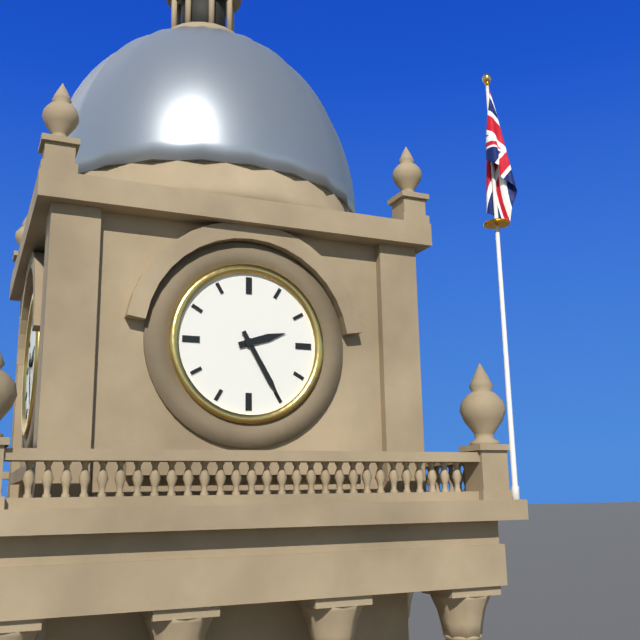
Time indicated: 2:25
